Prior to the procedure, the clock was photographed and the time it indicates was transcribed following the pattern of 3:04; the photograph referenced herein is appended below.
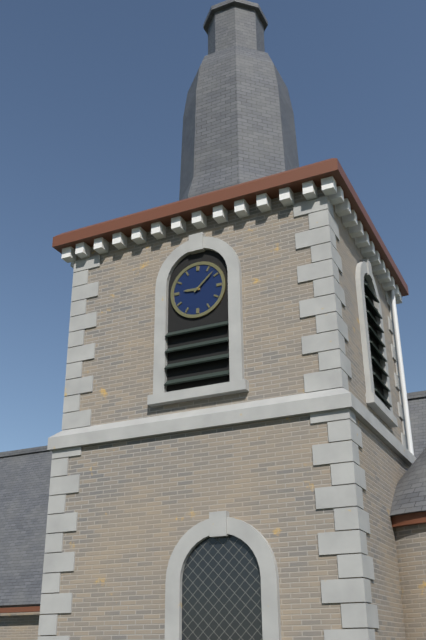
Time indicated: 9:08
